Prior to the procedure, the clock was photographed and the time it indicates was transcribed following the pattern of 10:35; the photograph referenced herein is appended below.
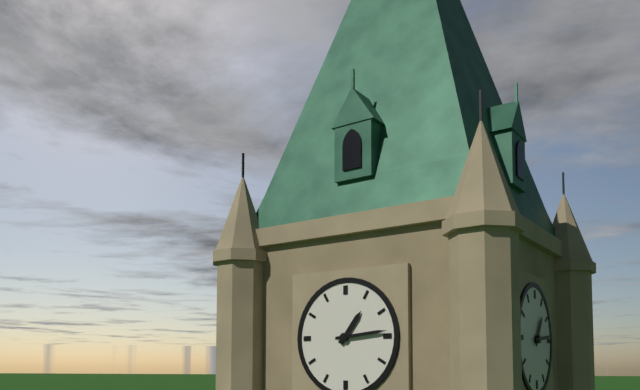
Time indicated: 1:14
